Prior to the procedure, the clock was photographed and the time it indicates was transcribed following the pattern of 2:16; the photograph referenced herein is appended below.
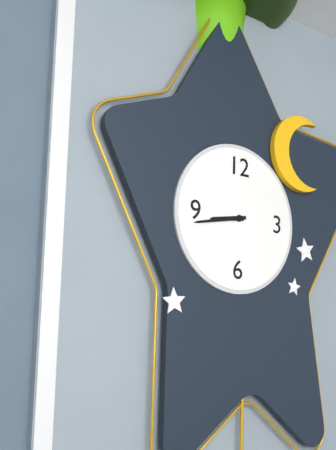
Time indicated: 8:43
